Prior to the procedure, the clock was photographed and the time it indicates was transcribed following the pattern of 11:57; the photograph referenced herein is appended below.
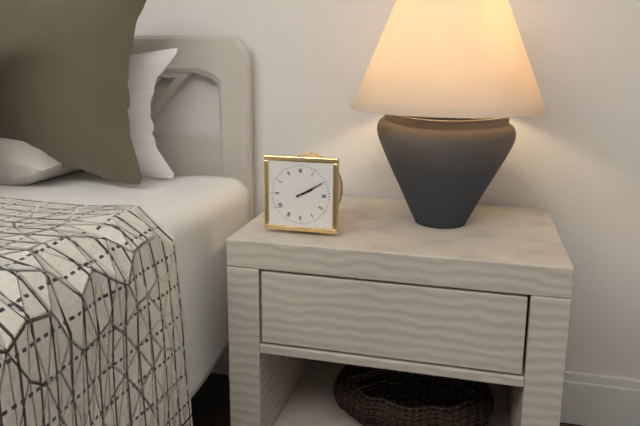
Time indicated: 2:10
